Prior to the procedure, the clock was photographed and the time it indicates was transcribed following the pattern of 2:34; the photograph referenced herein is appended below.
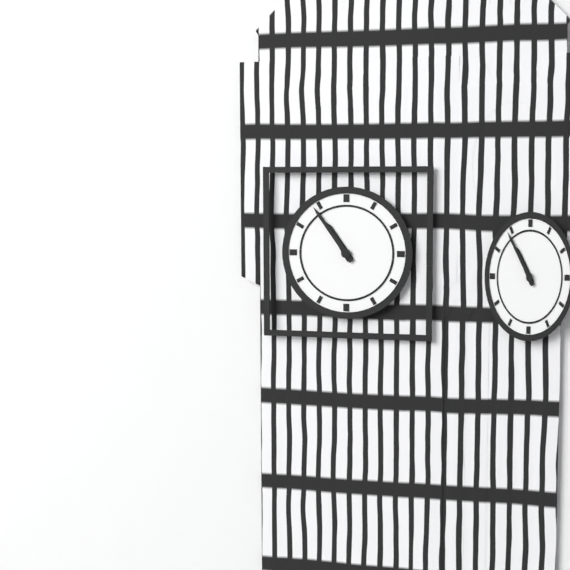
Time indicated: 10:54
